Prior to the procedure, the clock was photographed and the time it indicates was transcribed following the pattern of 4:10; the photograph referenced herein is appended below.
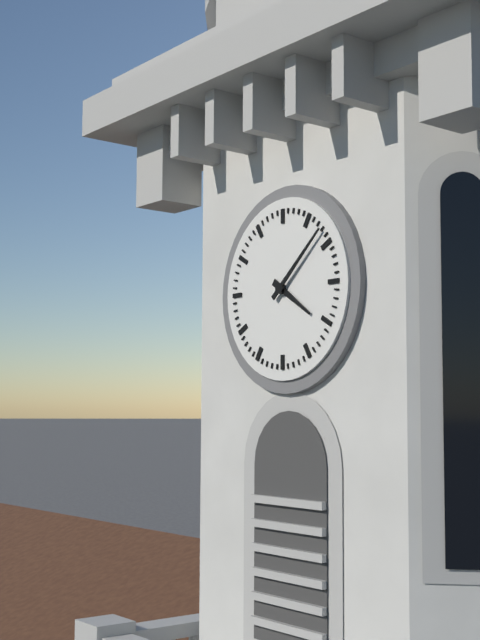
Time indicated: 4:08
